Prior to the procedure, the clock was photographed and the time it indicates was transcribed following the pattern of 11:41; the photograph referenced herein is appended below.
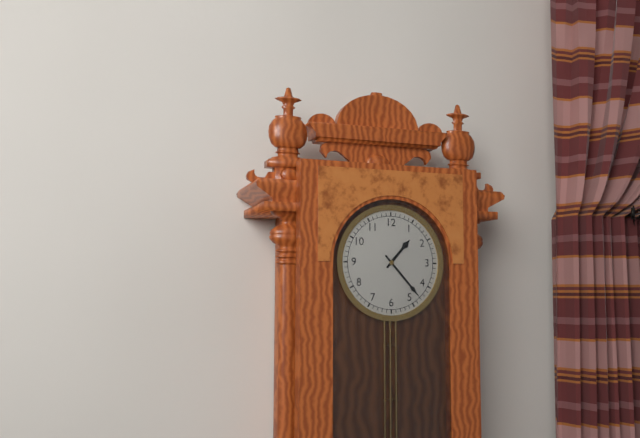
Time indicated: 1:23
